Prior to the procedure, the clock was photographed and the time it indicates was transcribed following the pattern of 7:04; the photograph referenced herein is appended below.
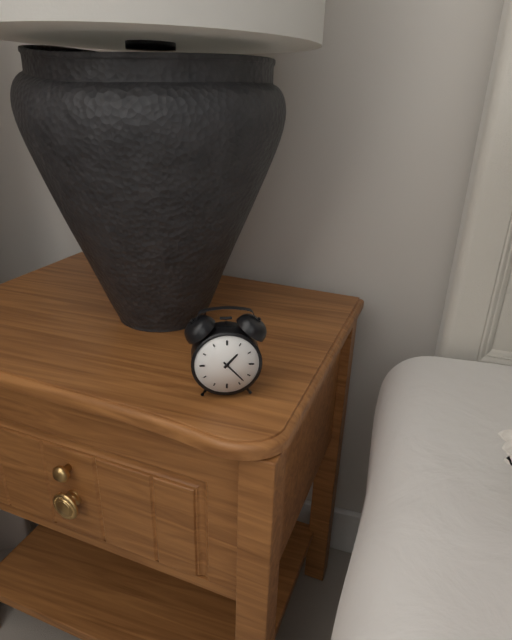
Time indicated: 1:23
